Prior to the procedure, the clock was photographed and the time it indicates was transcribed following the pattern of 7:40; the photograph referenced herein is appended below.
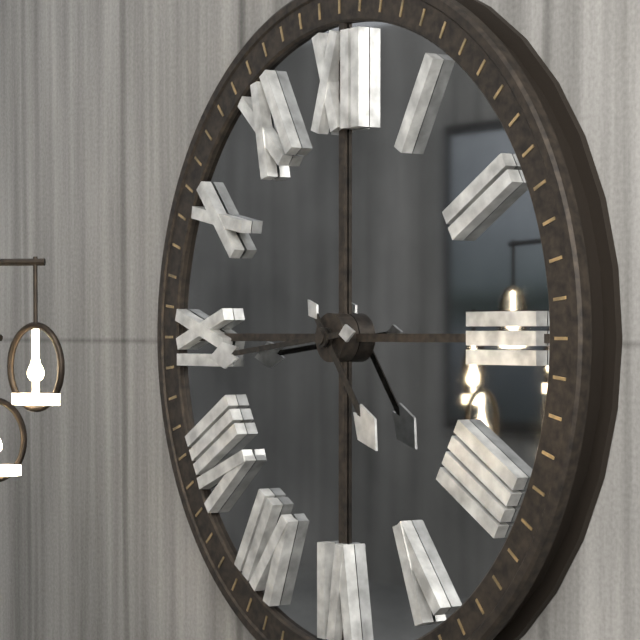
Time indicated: 4:44
